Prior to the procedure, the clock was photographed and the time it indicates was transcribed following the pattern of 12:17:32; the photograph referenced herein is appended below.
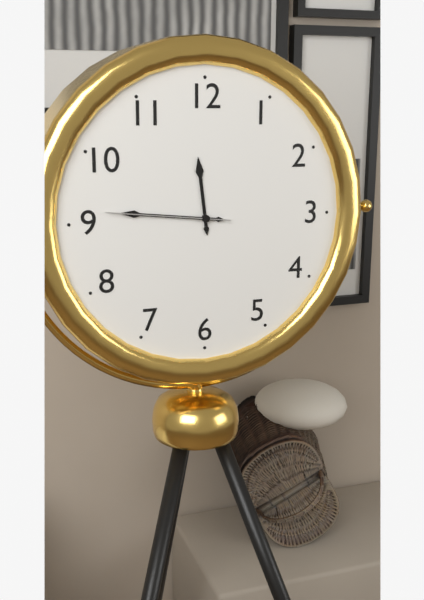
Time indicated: 11:46:46
